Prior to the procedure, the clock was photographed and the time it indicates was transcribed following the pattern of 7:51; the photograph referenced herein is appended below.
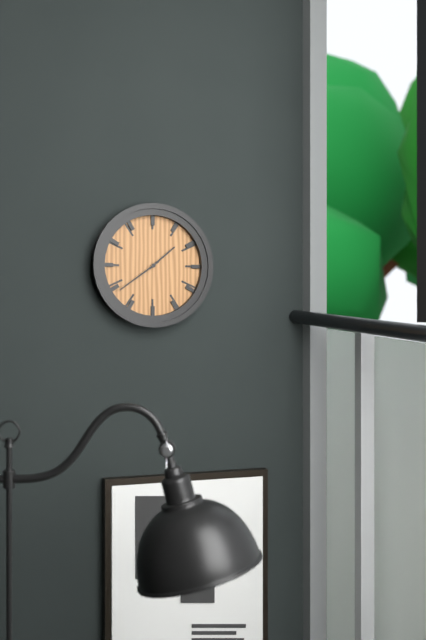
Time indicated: 1:39
